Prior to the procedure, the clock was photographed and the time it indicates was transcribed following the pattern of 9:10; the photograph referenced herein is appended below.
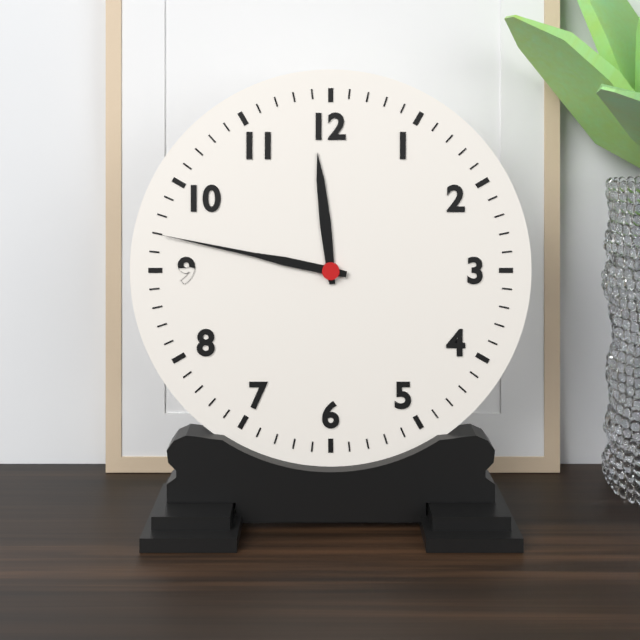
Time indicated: 11:47
